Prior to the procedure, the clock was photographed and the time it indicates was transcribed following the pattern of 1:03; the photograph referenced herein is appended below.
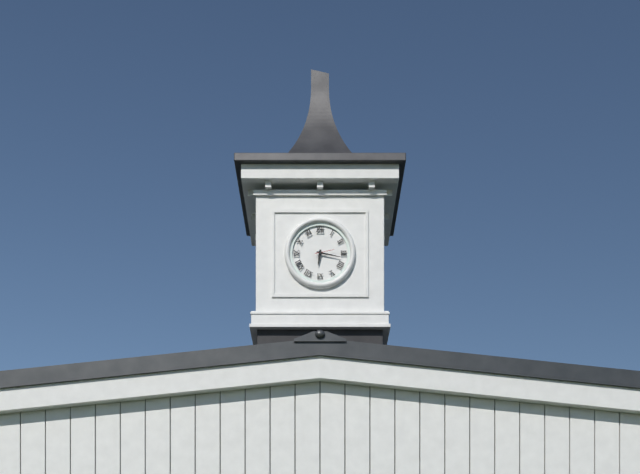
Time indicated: 6:17
